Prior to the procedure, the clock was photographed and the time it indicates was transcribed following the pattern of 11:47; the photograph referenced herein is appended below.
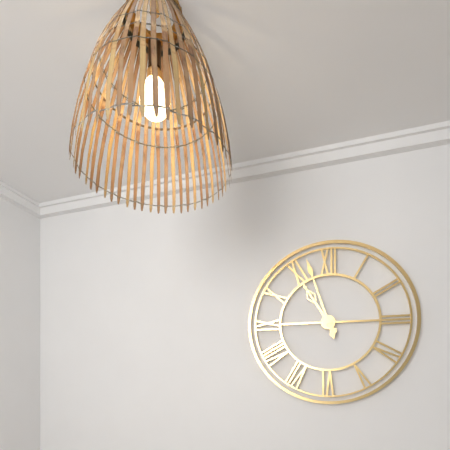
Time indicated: 10:57
